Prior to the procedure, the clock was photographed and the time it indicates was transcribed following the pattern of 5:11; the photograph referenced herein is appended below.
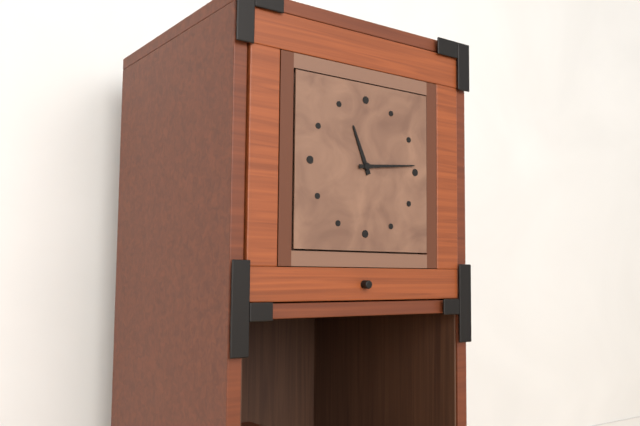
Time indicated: 11:14
